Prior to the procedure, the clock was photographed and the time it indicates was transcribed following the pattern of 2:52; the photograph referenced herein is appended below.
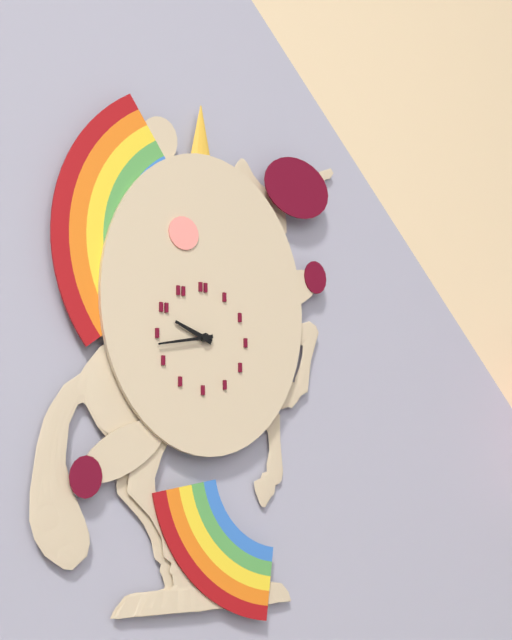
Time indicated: 9:43
